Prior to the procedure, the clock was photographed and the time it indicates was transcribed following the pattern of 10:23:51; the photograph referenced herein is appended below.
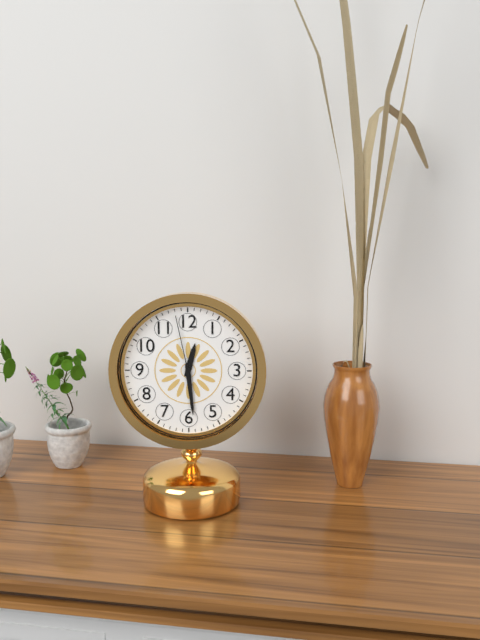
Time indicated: 12:29:58
